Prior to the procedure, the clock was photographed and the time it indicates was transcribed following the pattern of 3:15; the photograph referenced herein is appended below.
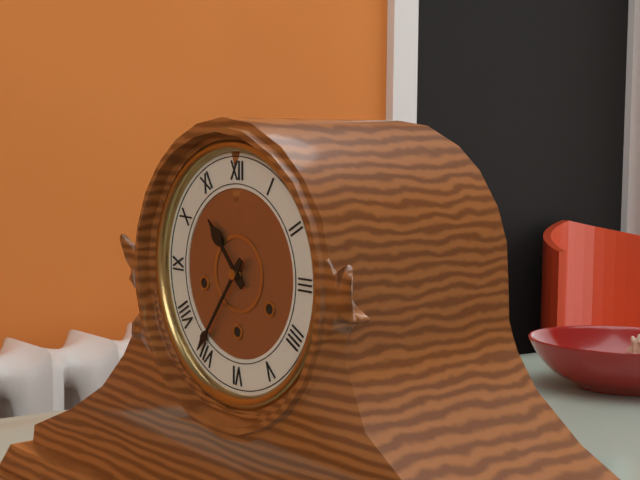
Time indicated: 10:36
